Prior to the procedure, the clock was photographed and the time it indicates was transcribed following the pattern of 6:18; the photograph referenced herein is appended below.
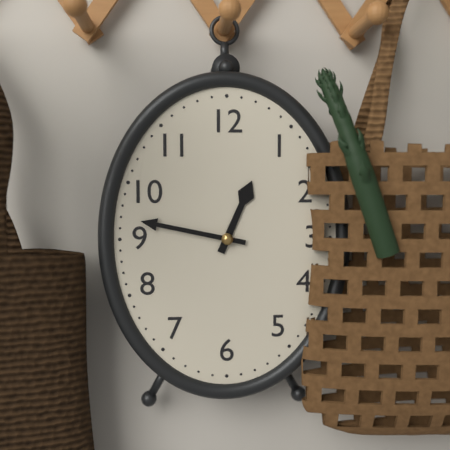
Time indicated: 12:47
